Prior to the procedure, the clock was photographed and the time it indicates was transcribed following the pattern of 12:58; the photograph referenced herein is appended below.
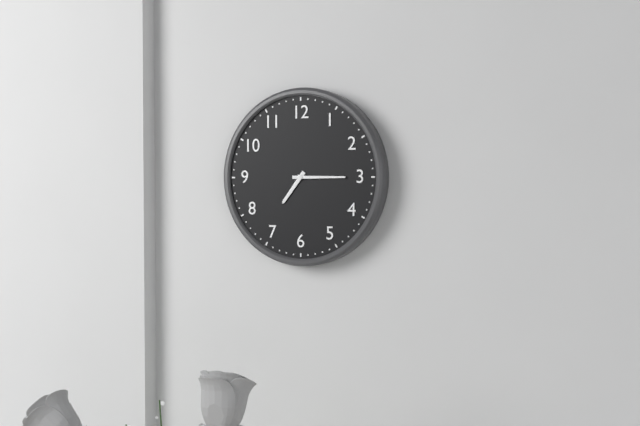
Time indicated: 7:15
